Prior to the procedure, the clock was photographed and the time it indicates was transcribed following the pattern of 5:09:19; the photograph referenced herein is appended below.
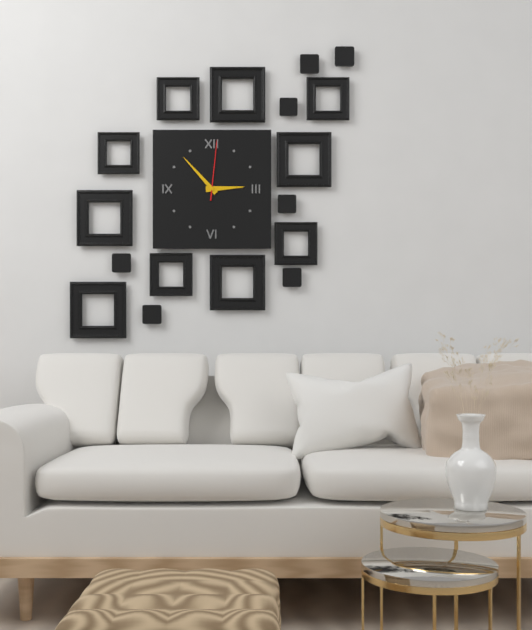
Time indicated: 2:53:01
